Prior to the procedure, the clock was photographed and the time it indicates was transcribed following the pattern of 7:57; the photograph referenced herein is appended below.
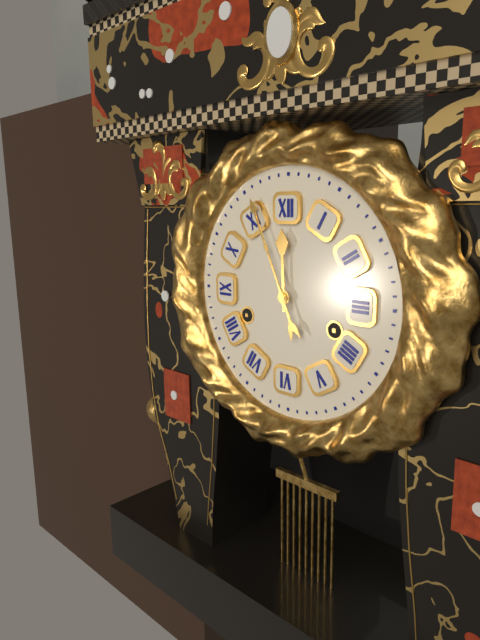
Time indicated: 11:56
